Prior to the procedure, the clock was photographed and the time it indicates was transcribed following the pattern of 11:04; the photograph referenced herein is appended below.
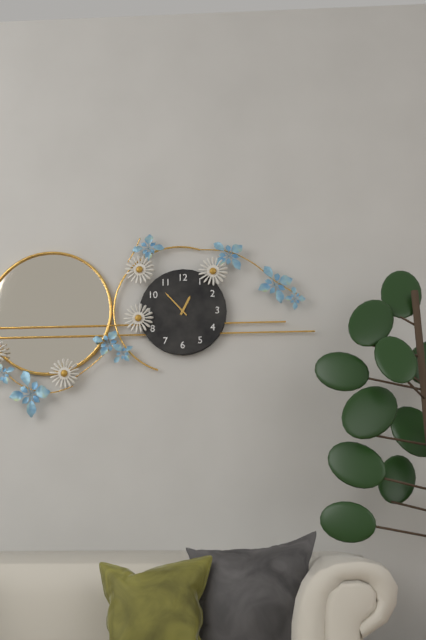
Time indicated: 12:53
